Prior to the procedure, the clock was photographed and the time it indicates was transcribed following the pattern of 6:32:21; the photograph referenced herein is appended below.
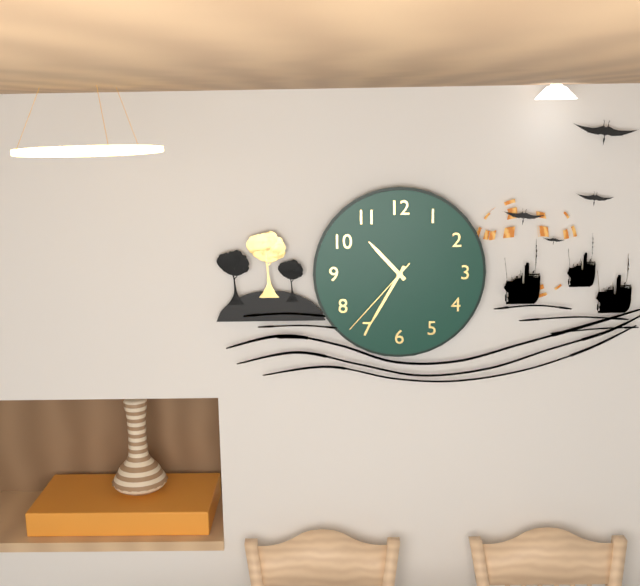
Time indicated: 10:35:37
